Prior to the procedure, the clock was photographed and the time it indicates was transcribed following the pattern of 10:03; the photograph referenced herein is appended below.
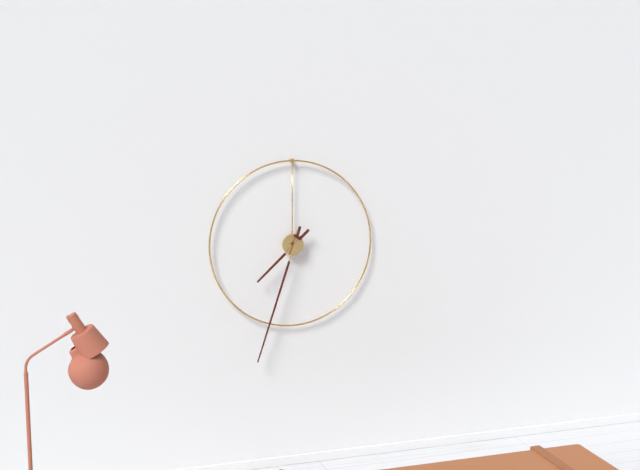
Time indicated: 7:33
